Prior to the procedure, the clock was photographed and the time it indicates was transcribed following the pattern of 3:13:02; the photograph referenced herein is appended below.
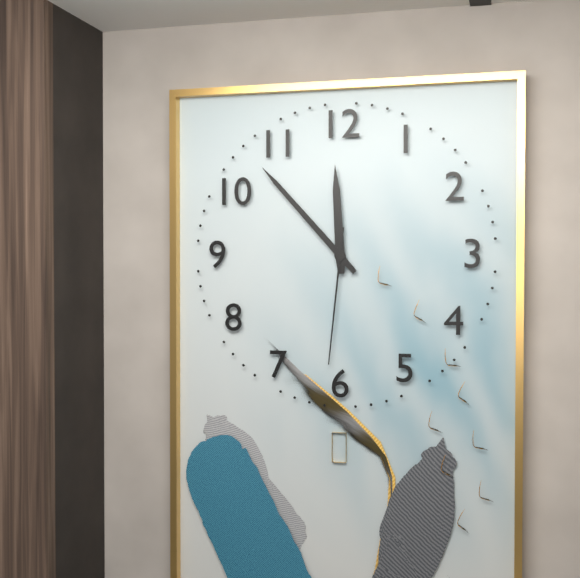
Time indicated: 11:53:31
